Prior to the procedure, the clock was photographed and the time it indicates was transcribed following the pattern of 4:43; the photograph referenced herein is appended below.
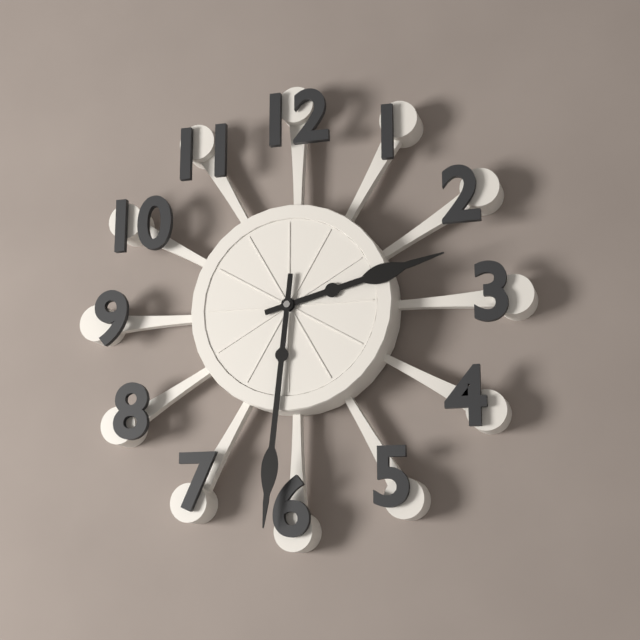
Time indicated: 2:31
